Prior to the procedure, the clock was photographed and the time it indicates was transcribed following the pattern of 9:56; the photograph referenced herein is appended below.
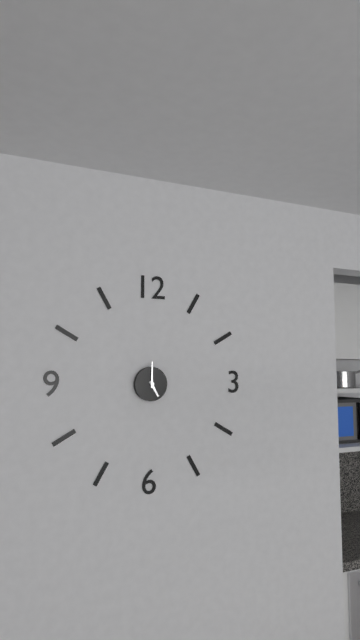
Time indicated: 5:00
